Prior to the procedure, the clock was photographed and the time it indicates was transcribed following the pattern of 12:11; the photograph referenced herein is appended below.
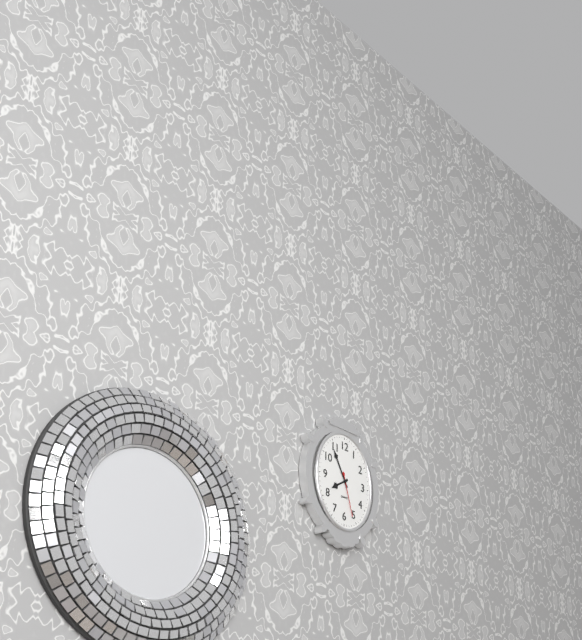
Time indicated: 7:55
